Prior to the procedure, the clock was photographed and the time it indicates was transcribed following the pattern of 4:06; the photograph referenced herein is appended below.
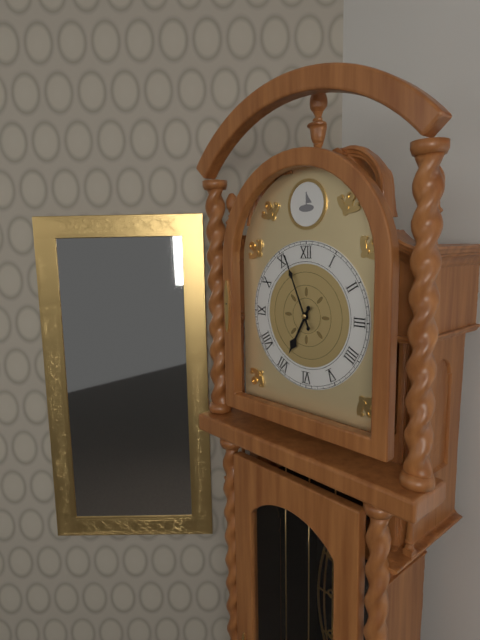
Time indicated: 6:56
